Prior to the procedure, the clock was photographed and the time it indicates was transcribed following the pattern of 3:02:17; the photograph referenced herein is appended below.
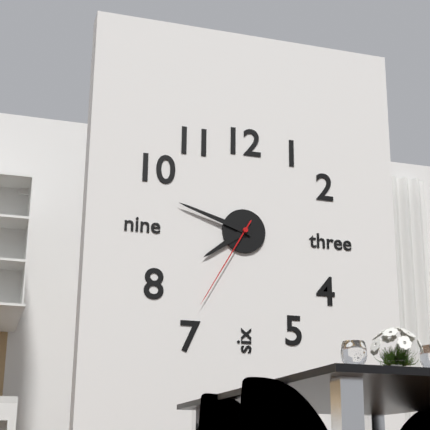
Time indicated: 7:48:35
